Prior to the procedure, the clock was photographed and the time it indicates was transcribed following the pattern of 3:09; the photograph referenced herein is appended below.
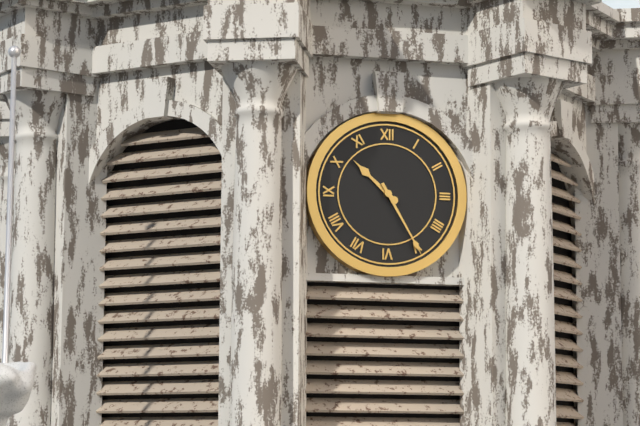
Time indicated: 10:25
